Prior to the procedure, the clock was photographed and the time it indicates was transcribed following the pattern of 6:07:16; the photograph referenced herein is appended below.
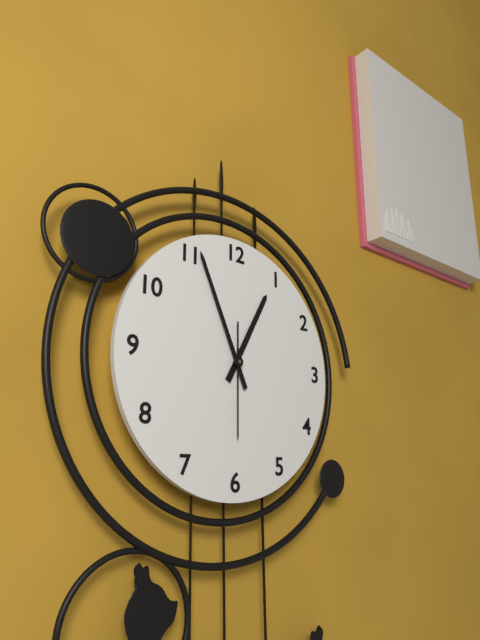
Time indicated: 12:56:30
